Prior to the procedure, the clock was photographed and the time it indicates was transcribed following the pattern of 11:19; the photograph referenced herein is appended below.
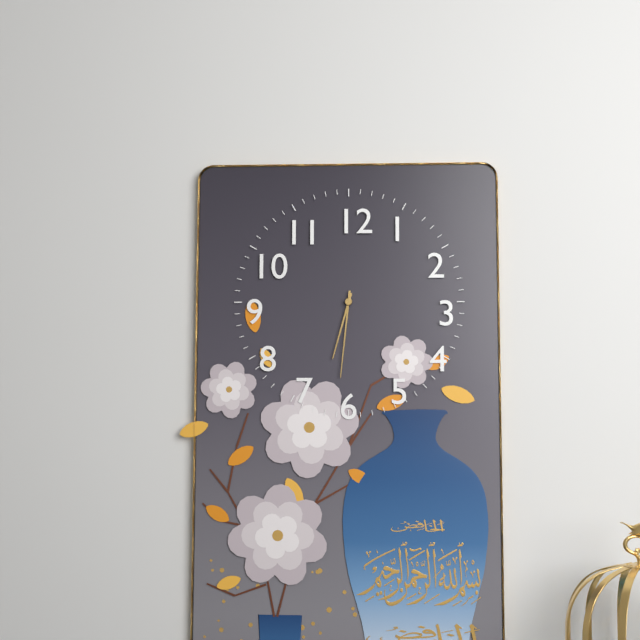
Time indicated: 6:31
